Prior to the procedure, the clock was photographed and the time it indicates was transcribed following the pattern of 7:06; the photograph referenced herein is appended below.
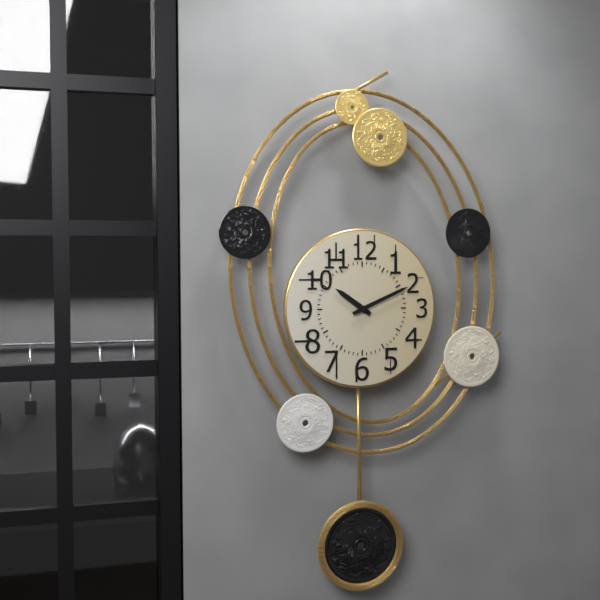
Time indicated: 10:11
